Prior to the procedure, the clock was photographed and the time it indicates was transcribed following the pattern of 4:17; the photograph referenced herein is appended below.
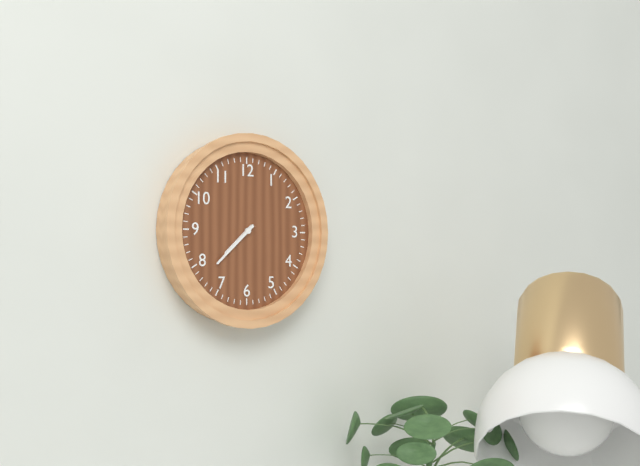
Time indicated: 7:38
